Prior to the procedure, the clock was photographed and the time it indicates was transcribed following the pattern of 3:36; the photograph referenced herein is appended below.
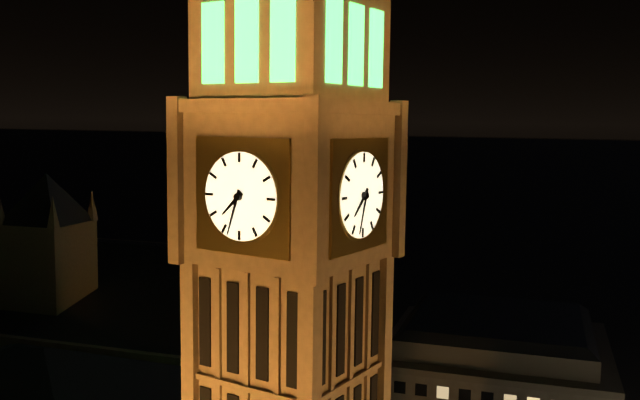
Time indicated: 7:33
